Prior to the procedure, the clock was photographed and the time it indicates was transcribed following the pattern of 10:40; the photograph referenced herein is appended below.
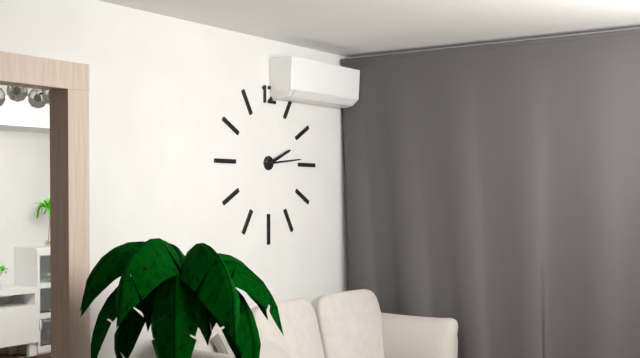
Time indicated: 2:14
